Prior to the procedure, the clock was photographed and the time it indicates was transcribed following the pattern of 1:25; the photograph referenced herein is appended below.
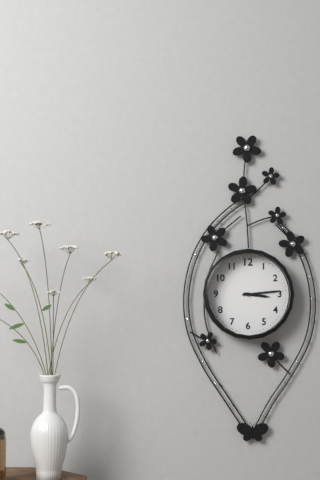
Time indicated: 3:14
